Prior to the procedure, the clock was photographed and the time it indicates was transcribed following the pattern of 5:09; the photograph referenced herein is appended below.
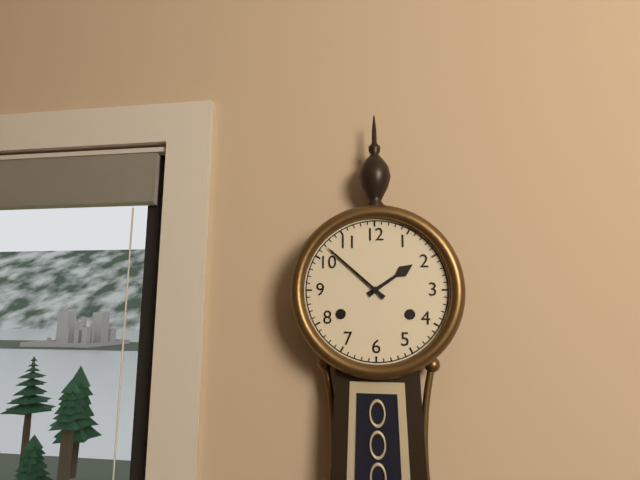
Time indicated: 1:52
